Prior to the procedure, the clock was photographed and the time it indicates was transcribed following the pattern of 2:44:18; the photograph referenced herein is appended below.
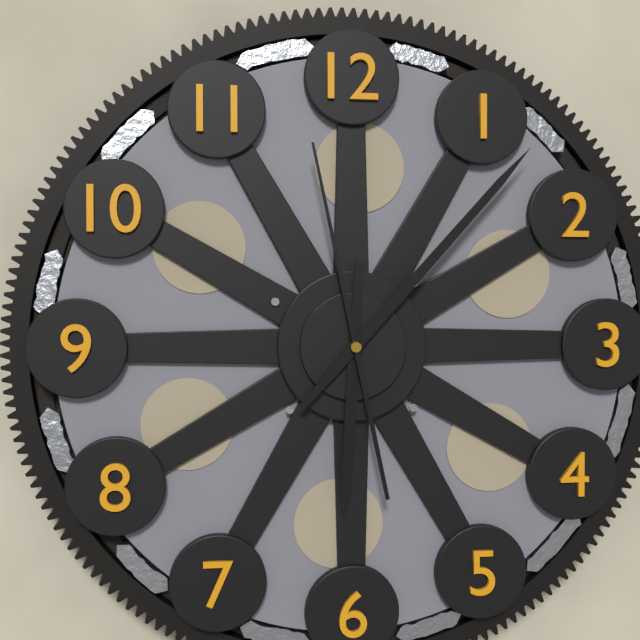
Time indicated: 6:07:58
